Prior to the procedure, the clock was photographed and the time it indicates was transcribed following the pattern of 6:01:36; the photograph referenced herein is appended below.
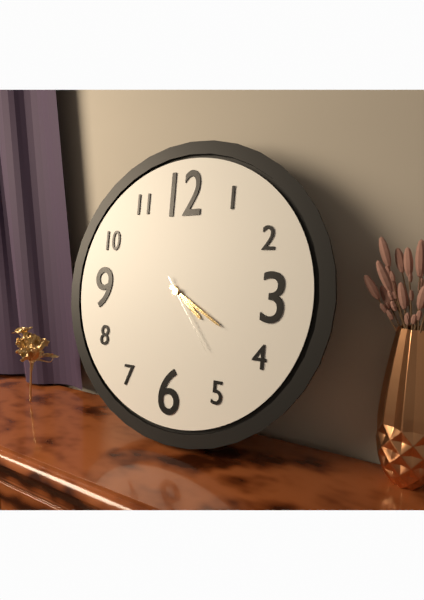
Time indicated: 4:20:24
